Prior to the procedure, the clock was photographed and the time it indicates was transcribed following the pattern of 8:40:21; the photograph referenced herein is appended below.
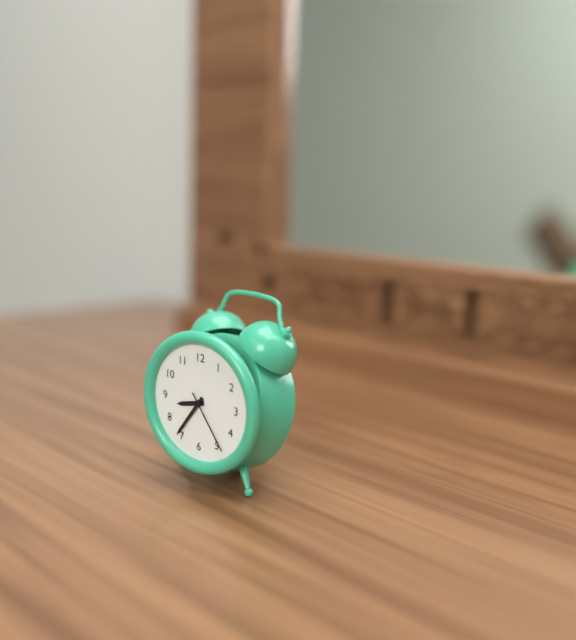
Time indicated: 8:36:24
